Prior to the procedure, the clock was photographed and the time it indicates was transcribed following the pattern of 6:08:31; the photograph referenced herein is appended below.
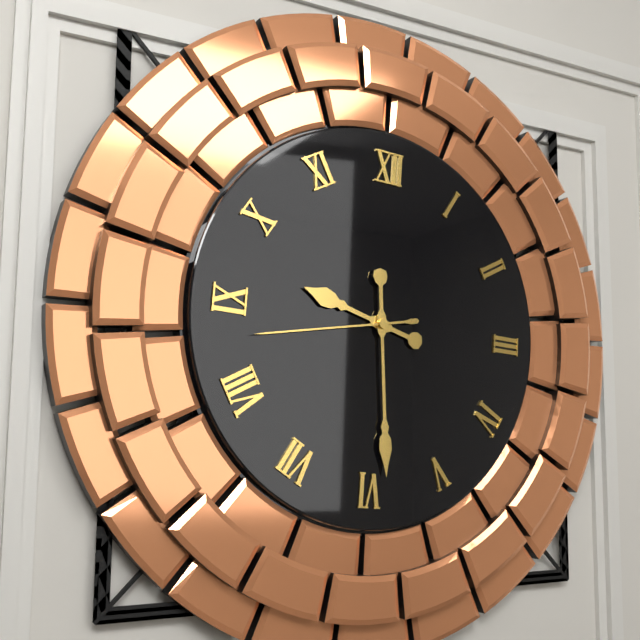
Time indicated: 9:29:43
